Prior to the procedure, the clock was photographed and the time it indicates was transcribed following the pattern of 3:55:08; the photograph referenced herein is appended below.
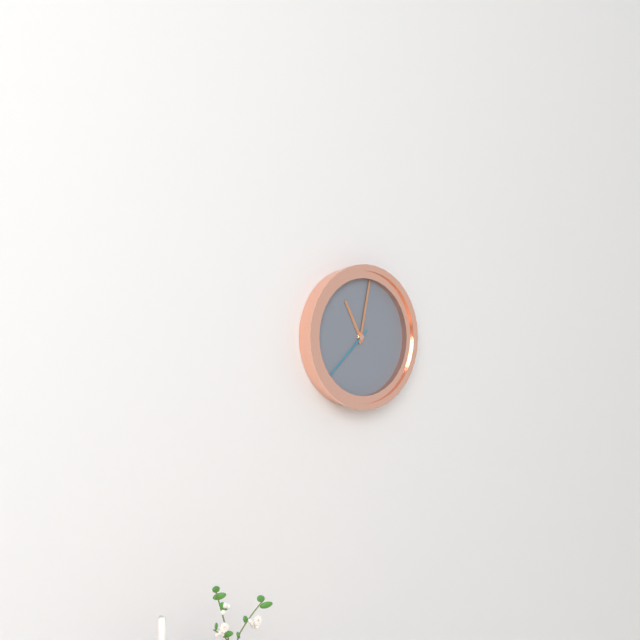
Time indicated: 11:02:38
